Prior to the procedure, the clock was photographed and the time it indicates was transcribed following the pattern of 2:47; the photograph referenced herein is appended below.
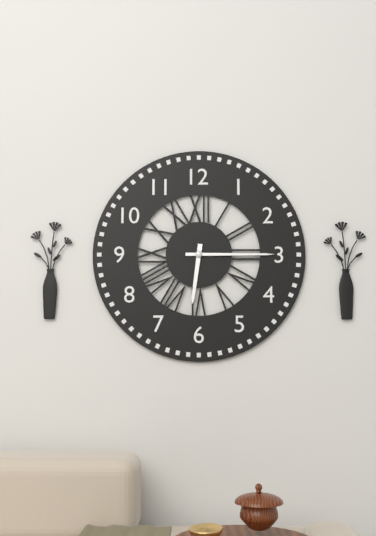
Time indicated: 6:15
